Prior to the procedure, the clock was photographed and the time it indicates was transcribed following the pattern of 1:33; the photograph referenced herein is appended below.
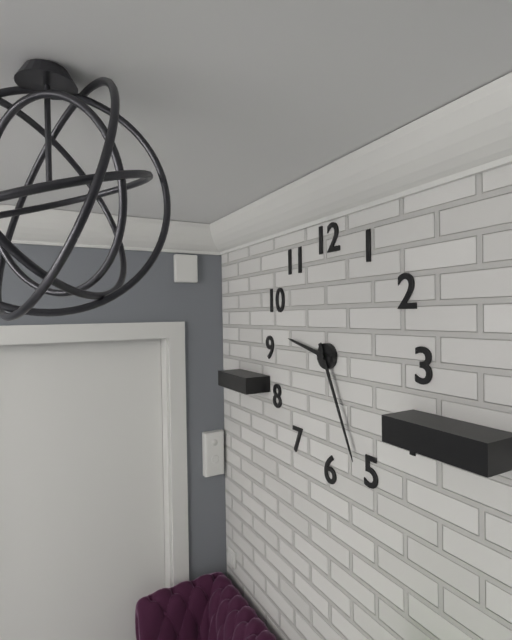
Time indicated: 9:26
